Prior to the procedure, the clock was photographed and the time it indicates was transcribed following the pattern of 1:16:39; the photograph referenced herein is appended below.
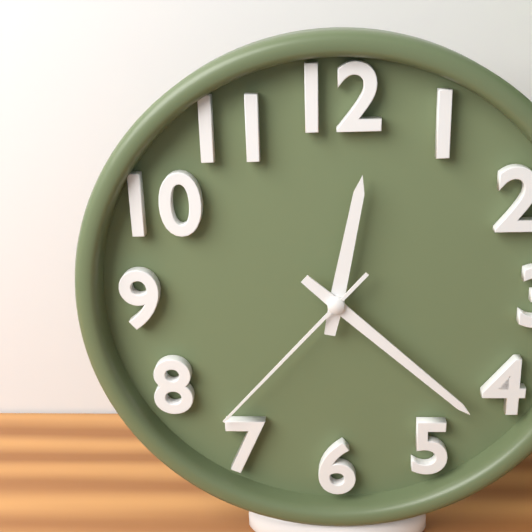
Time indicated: 12:22:37
